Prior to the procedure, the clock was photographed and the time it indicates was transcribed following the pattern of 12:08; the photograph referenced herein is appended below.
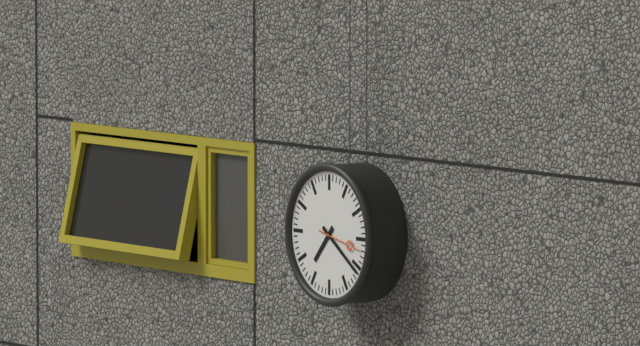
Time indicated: 7:21
